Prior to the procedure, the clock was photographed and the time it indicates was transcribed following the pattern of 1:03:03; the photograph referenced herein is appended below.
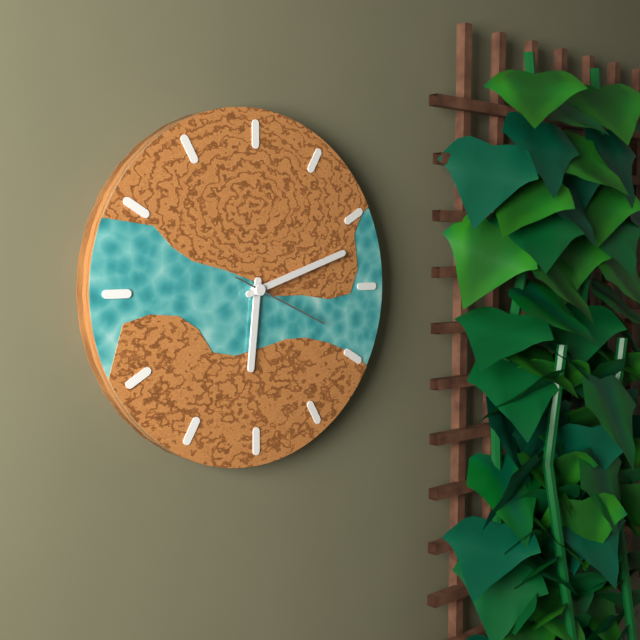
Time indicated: 6:12:19
